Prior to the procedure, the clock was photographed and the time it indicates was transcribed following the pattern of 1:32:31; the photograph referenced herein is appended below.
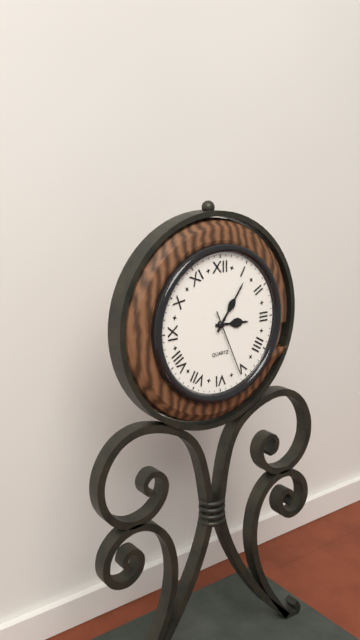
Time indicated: 3:06:26
